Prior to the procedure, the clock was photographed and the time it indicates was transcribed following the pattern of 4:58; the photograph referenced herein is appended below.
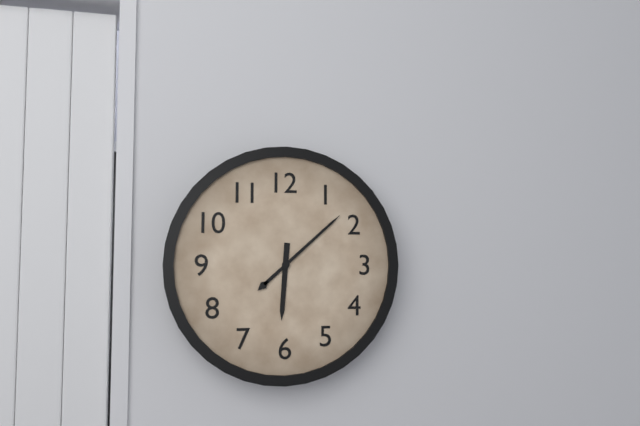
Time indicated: 6:08
